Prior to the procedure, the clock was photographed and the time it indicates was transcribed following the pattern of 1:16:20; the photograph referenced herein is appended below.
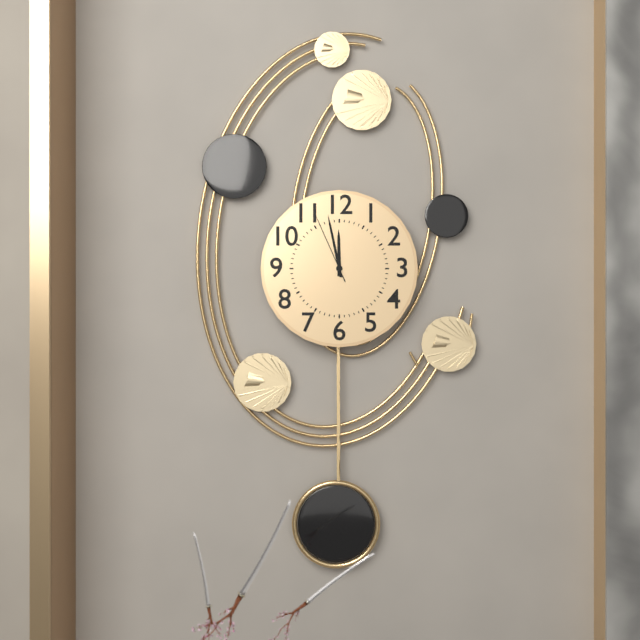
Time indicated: 11:58:56
